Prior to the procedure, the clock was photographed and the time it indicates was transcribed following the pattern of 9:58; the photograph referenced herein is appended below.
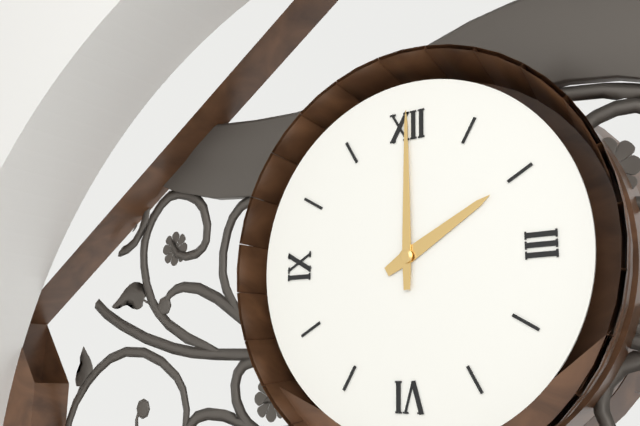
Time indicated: 2:00
